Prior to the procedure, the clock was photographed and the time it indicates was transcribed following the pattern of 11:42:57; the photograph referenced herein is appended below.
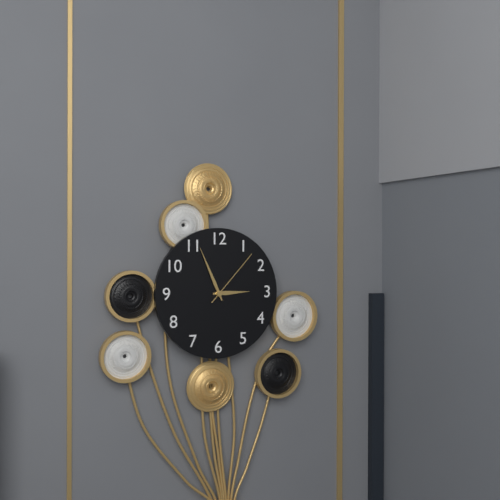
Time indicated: 2:56:07
